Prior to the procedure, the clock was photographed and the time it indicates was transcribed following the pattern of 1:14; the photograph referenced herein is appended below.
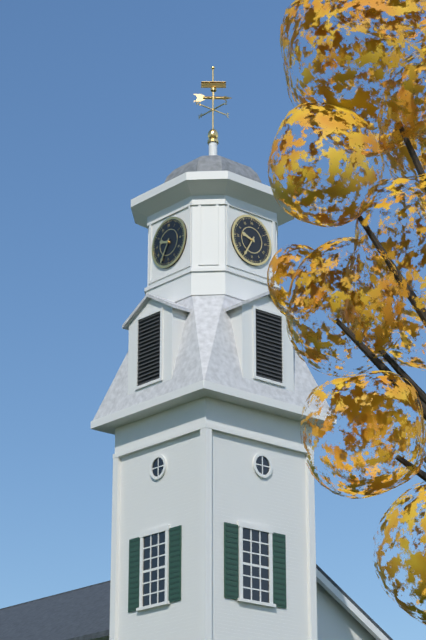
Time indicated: 9:35
